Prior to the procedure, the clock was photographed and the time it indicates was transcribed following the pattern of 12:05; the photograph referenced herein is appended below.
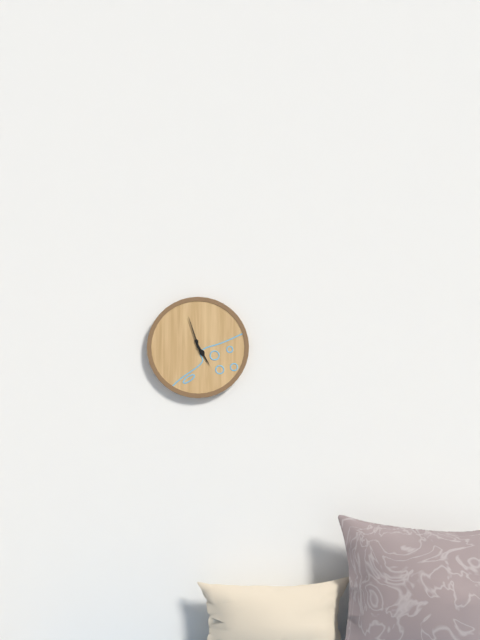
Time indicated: 4:57
